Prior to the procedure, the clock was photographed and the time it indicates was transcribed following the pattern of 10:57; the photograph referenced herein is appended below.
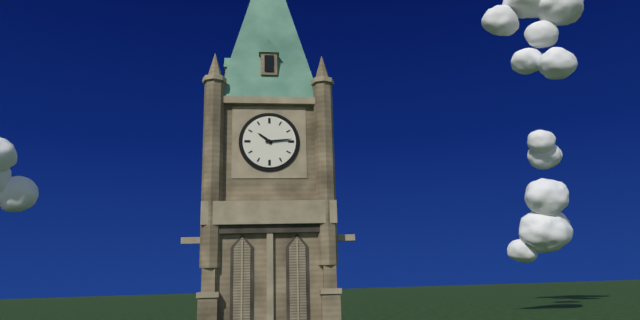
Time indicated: 10:14
